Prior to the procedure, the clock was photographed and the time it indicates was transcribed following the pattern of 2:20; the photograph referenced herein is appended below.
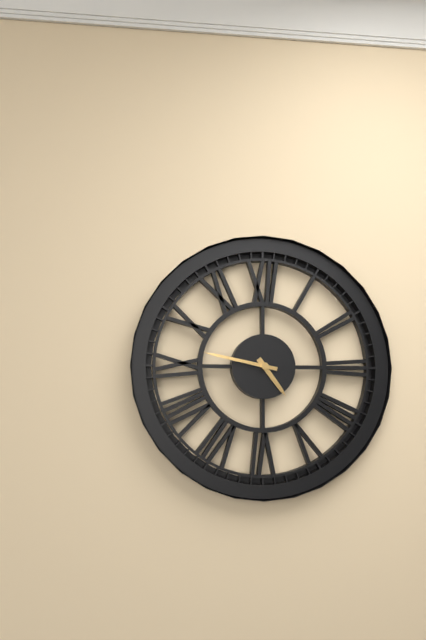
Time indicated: 4:47
